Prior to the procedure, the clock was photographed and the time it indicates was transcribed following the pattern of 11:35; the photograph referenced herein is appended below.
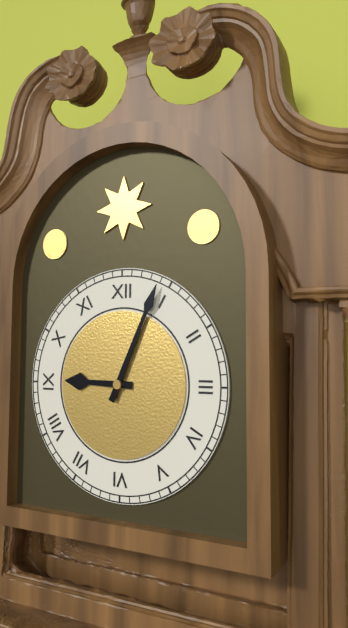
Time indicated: 9:04
